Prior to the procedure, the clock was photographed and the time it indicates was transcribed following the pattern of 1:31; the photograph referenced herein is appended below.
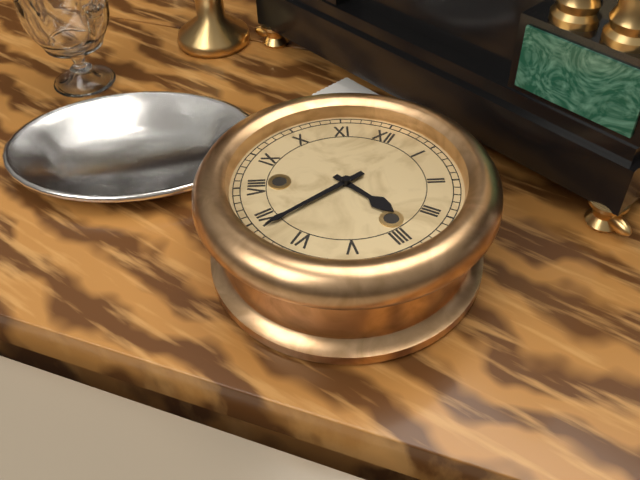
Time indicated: 3:34
